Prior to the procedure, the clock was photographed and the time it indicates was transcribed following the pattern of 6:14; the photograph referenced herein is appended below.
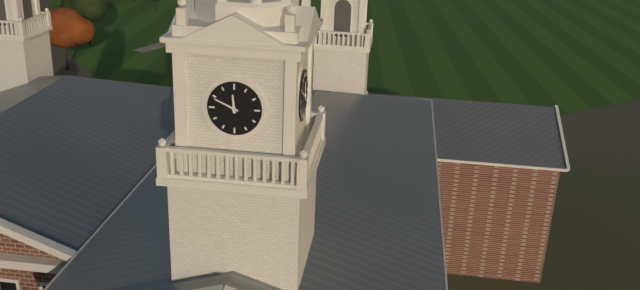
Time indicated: 11:49
